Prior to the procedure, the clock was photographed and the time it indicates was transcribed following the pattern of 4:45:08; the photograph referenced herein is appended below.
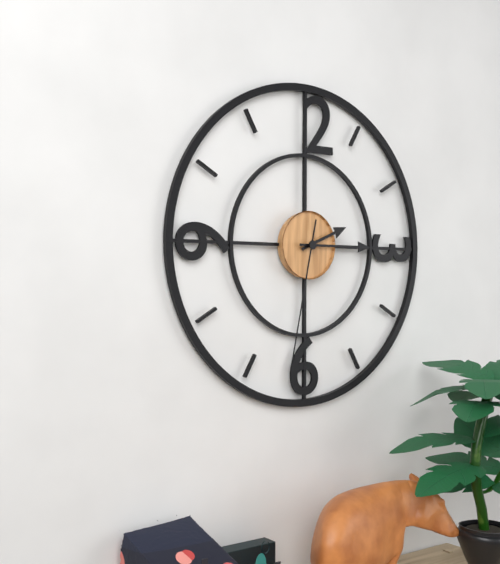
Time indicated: 2:15:32
